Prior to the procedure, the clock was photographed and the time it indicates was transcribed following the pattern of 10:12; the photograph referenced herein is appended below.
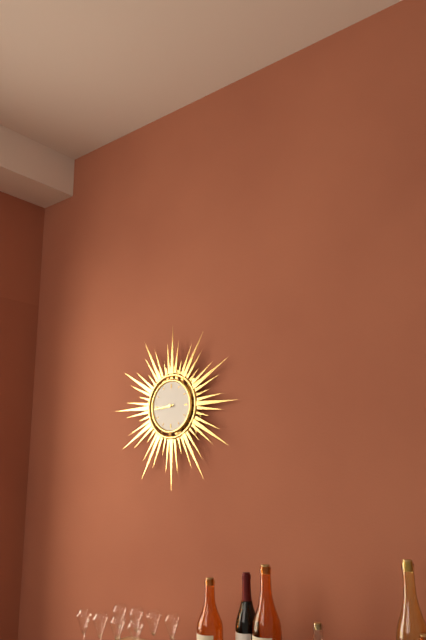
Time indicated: 8:44
